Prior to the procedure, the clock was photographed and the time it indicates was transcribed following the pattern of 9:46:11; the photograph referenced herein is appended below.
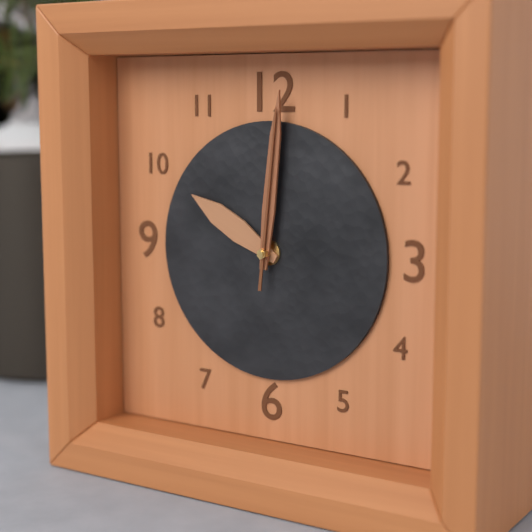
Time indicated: 10:01:01
